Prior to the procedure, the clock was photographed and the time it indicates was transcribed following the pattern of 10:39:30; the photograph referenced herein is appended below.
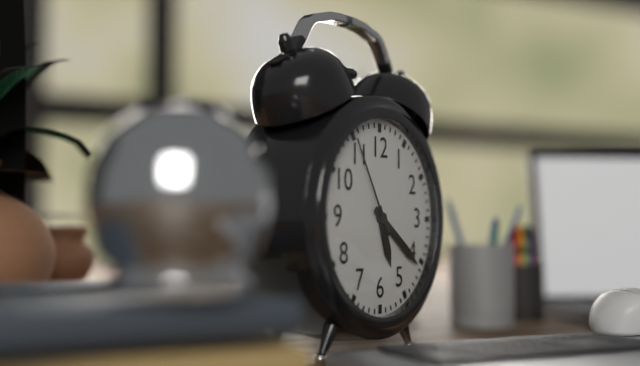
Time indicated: 5:21:55
